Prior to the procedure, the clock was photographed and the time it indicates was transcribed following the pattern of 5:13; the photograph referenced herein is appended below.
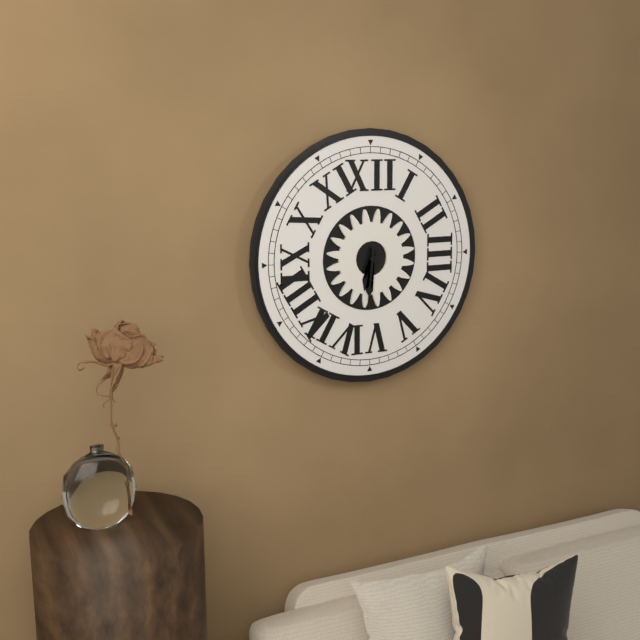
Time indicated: 6:31
